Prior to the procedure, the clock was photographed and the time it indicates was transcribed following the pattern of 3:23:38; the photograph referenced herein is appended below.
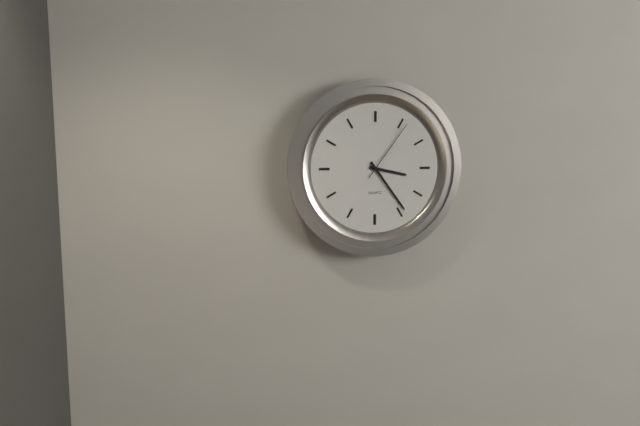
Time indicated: 3:24:06
